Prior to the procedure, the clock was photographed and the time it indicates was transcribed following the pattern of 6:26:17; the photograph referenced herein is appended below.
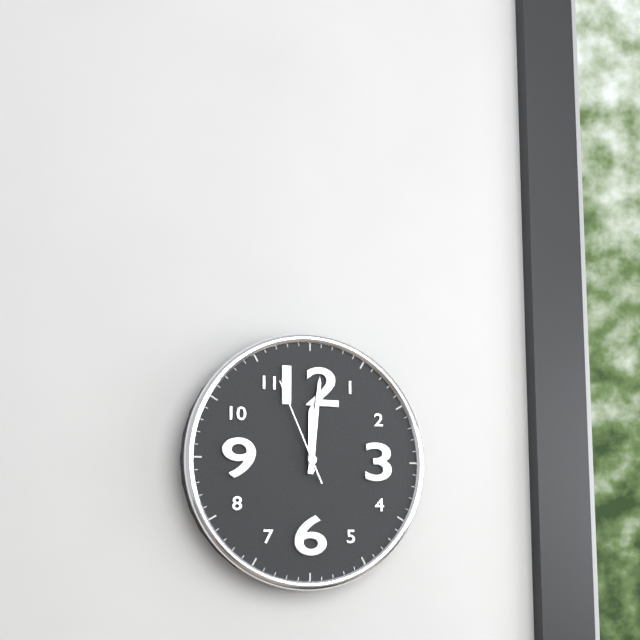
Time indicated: 12:01:56
